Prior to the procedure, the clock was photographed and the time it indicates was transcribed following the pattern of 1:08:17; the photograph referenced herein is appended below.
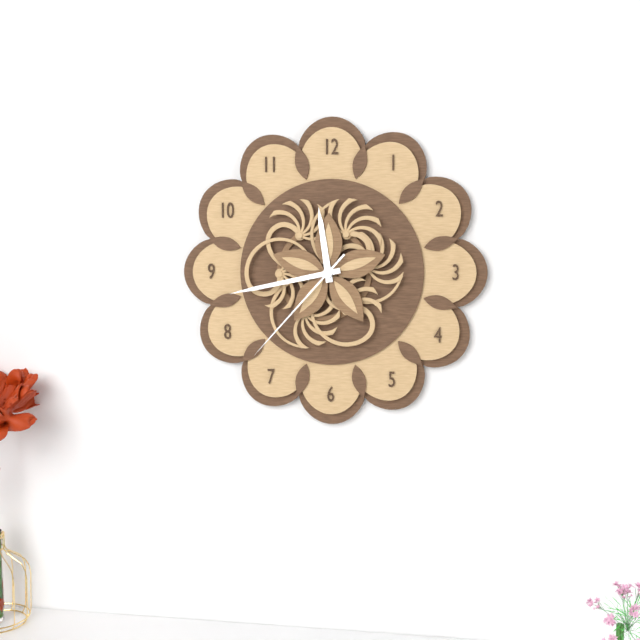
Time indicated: 11:43:37
